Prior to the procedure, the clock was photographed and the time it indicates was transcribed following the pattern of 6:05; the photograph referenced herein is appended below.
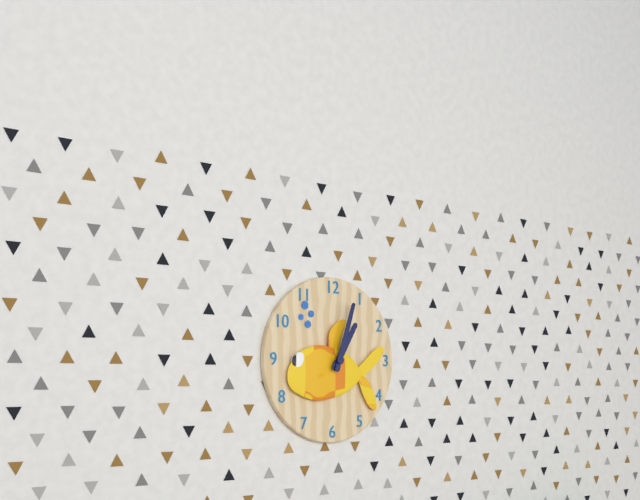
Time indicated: 1:03
